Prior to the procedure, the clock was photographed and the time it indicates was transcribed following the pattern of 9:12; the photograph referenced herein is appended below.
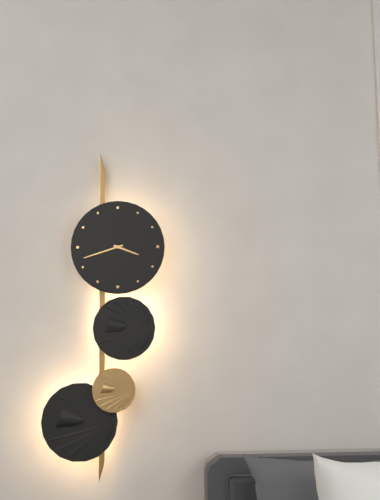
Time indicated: 3:42
